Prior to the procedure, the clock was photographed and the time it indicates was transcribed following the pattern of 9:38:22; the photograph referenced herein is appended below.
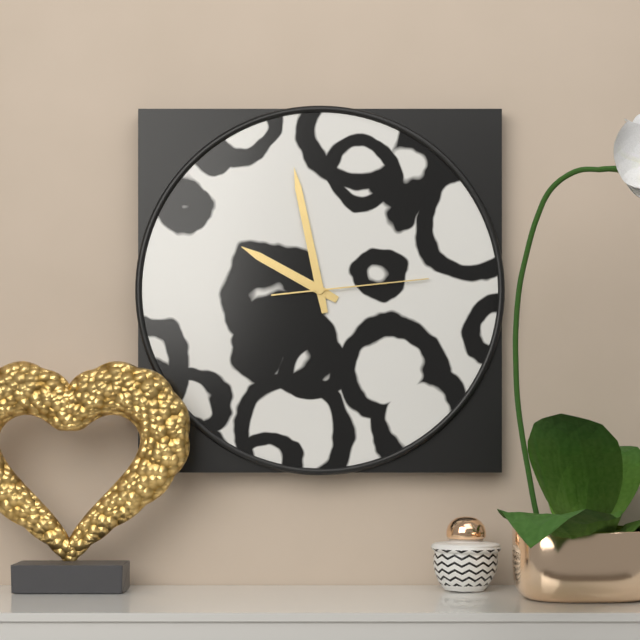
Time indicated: 9:58:14
